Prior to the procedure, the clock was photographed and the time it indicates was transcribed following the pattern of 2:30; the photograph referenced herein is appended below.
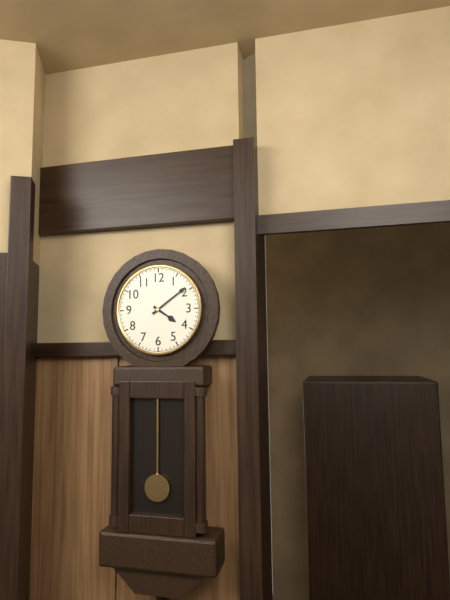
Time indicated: 4:09
